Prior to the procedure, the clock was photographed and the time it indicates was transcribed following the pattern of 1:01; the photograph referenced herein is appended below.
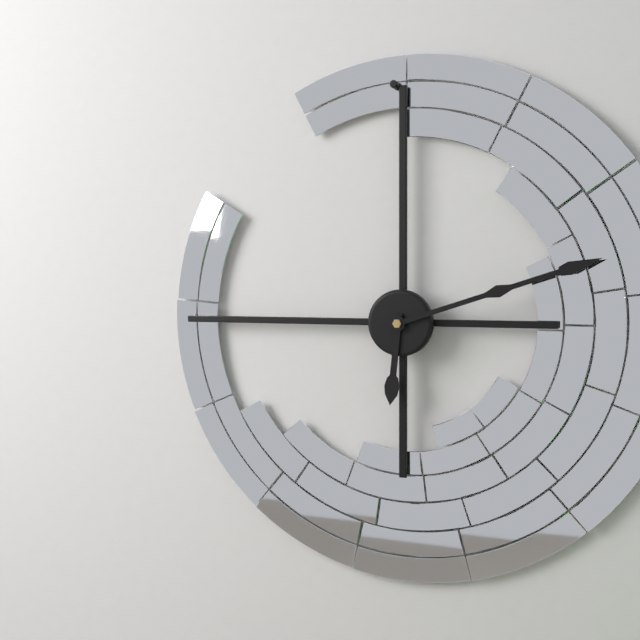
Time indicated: 6:12
